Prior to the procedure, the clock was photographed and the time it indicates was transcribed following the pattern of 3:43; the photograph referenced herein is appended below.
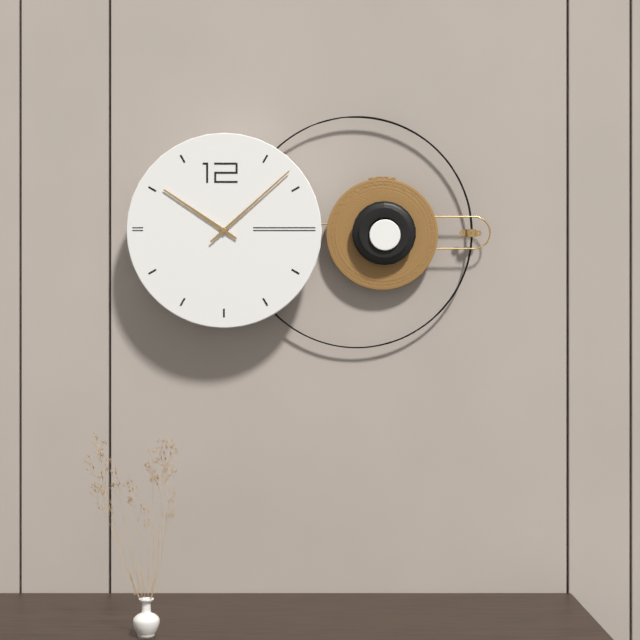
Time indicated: 10:08
